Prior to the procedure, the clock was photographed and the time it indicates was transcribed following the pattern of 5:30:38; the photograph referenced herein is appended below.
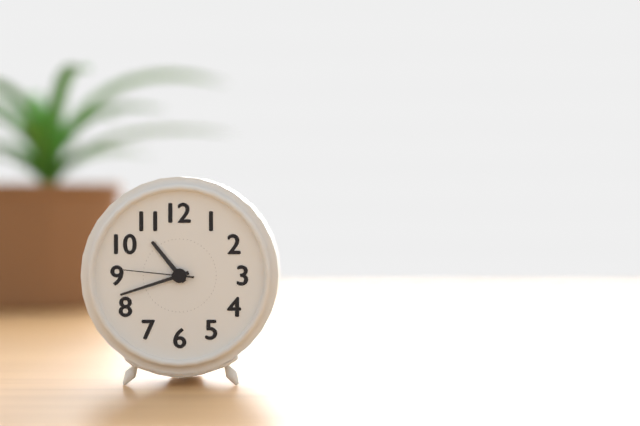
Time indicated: 10:42:46
